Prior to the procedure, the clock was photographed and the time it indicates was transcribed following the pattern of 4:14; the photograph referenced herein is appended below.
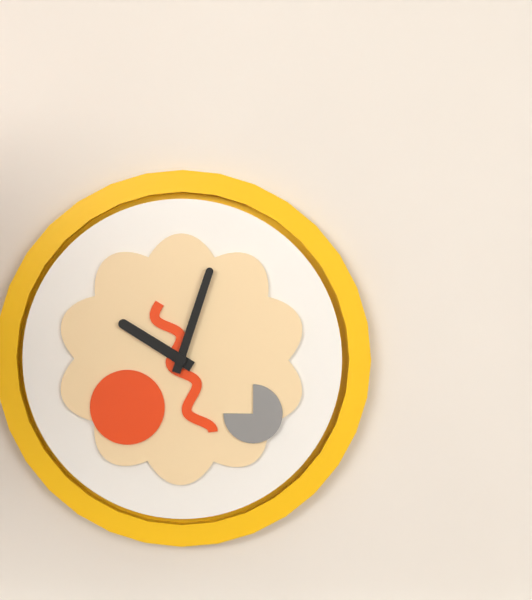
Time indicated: 10:03
